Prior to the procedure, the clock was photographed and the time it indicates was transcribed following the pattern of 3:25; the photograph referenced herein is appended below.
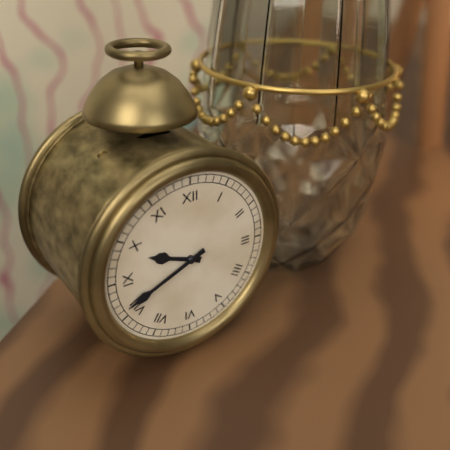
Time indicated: 9:41
